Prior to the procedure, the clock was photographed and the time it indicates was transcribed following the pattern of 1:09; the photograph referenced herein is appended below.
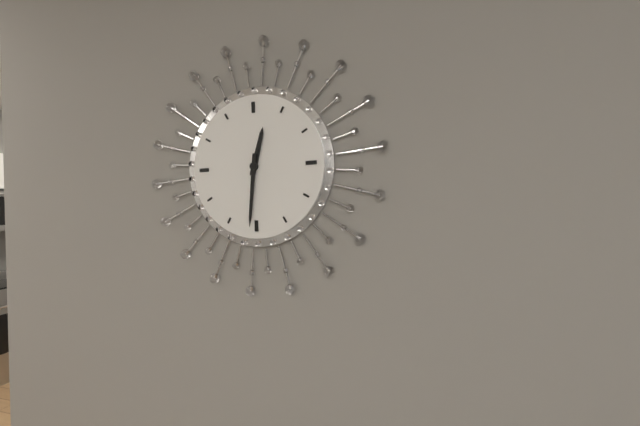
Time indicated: 12:31
